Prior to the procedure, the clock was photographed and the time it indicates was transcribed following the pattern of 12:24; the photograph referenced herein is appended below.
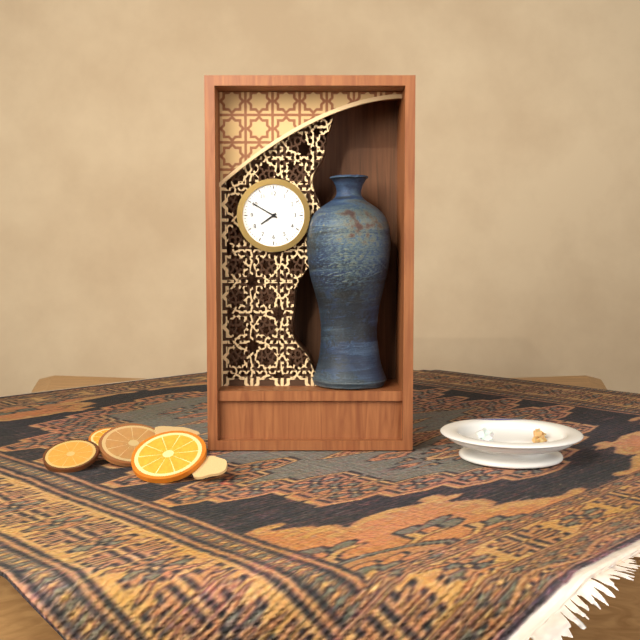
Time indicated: 7:50
